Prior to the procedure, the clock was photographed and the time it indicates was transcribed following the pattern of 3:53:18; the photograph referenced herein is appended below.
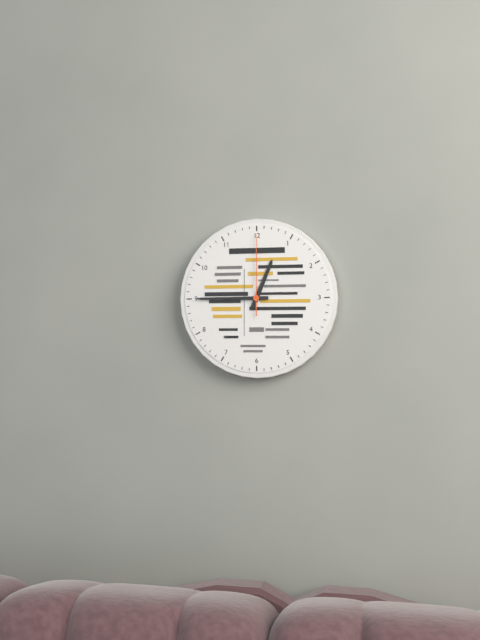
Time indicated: 12:45:00
